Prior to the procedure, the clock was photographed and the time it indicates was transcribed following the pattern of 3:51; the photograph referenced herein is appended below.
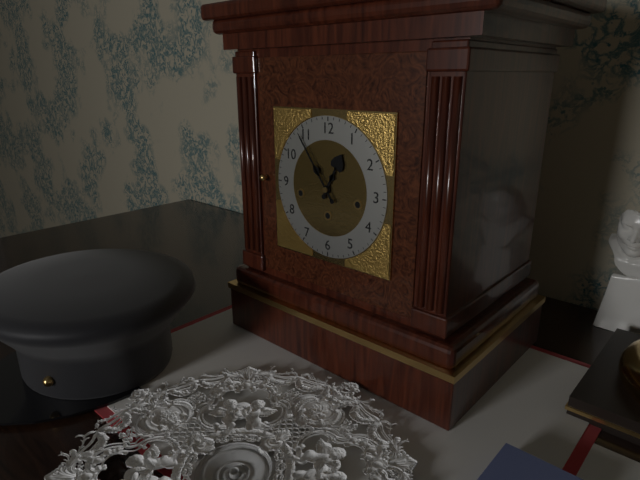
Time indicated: 12:54
